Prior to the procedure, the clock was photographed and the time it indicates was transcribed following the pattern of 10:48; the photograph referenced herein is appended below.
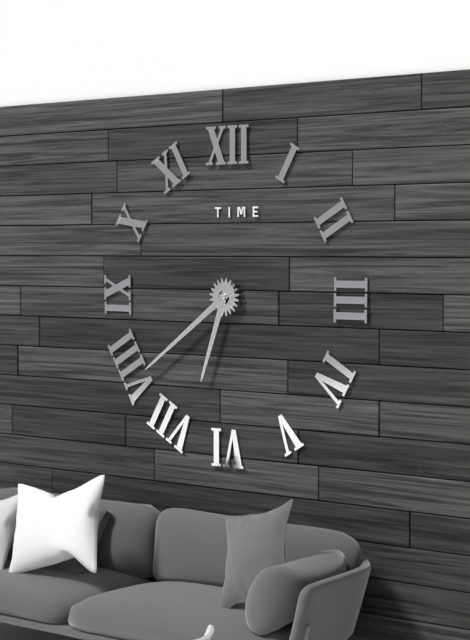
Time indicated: 6:39
